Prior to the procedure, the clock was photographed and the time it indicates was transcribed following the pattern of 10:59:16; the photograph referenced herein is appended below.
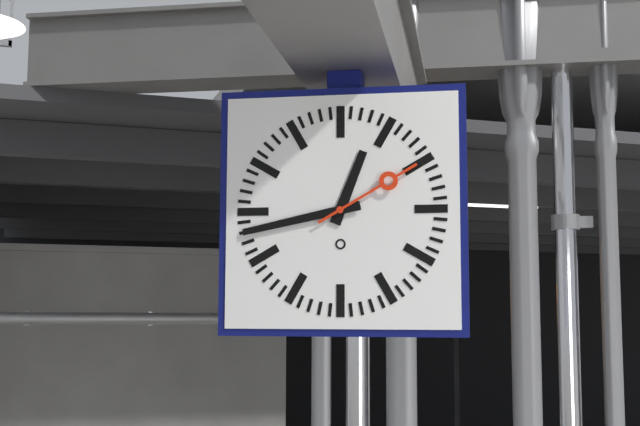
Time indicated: 12:43:10
